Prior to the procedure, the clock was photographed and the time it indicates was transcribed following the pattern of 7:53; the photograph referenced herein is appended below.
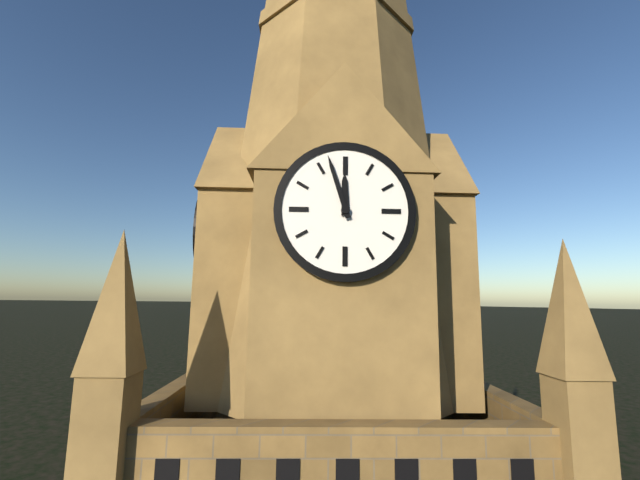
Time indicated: 11:57
